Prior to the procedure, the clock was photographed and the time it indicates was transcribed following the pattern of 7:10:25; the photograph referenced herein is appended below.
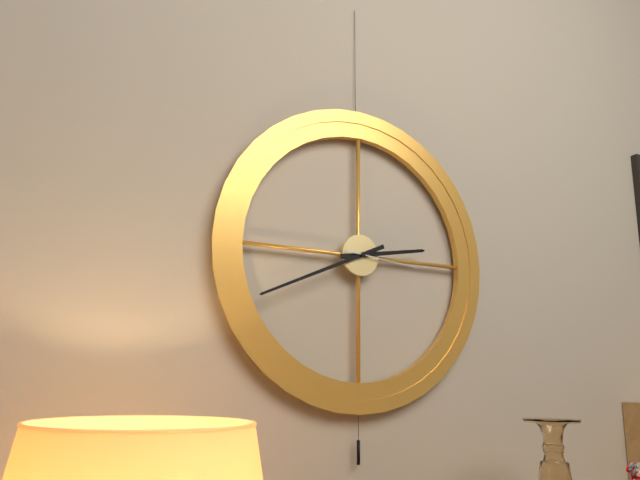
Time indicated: 2:41:16
